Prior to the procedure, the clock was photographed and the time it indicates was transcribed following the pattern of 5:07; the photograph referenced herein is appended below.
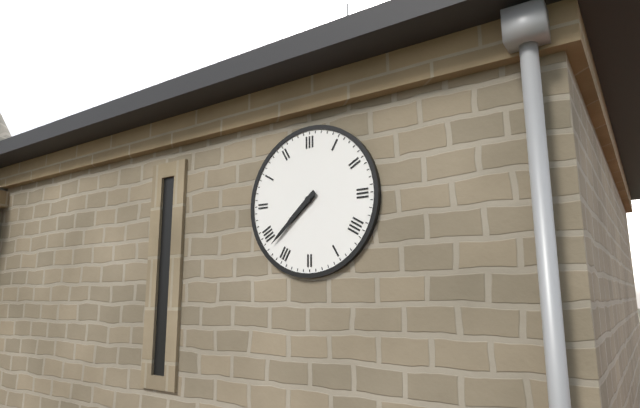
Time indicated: 7:38
